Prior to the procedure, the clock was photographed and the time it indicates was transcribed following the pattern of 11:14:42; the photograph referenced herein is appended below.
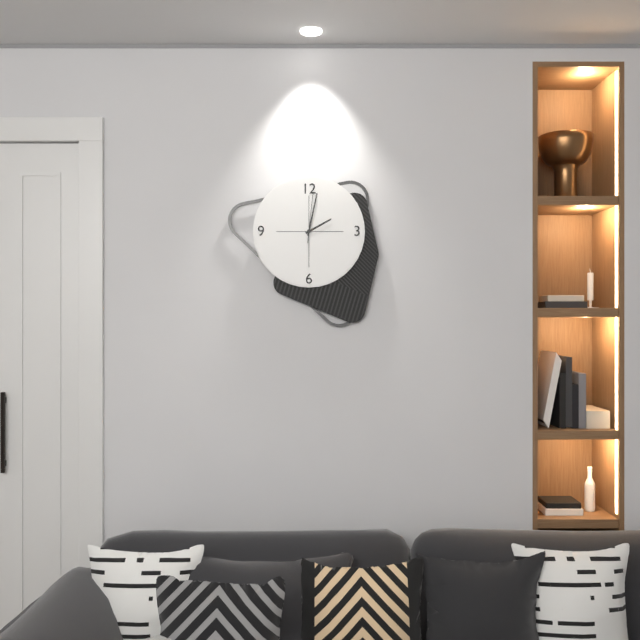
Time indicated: 2:02:01
